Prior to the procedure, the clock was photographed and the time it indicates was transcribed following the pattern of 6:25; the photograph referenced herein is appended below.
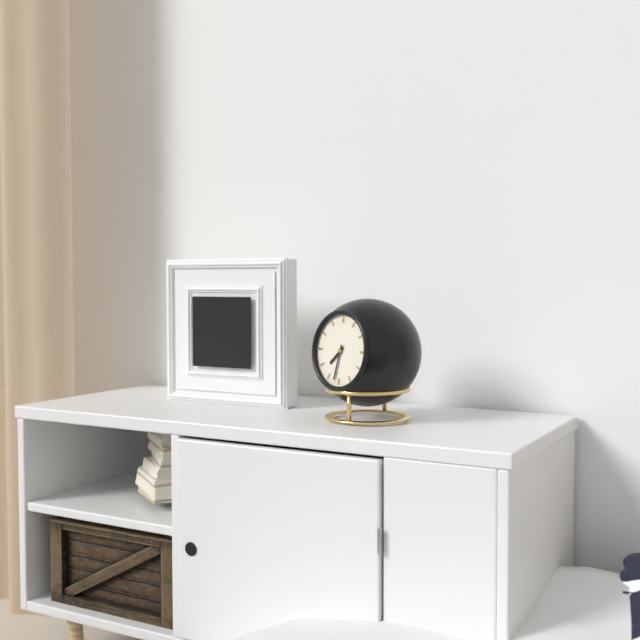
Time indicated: 7:32
